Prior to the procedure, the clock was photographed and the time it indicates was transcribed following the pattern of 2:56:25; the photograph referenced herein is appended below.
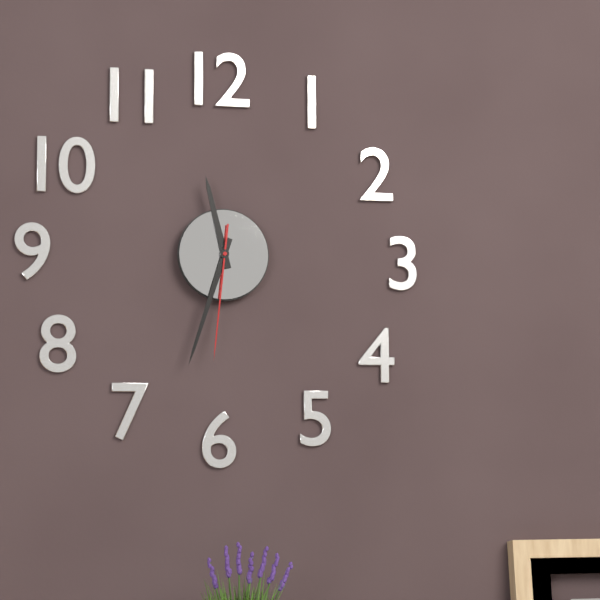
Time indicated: 11:33:31
